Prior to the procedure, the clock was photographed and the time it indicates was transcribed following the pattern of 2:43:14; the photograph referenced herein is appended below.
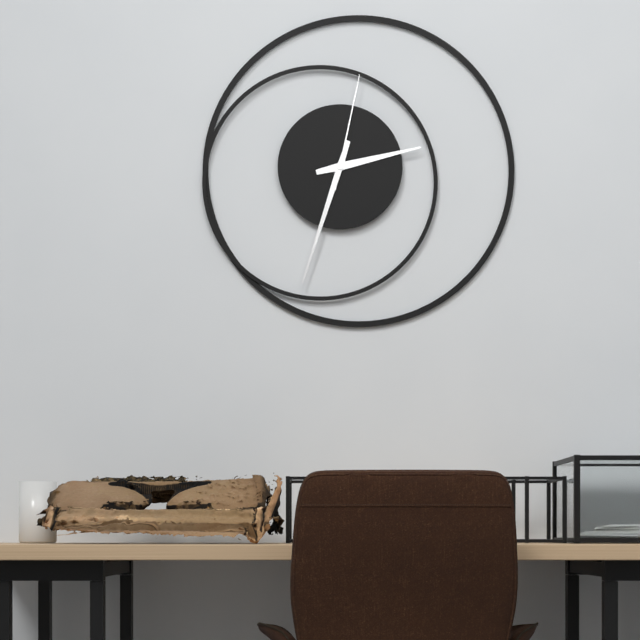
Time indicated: 2:33:02
